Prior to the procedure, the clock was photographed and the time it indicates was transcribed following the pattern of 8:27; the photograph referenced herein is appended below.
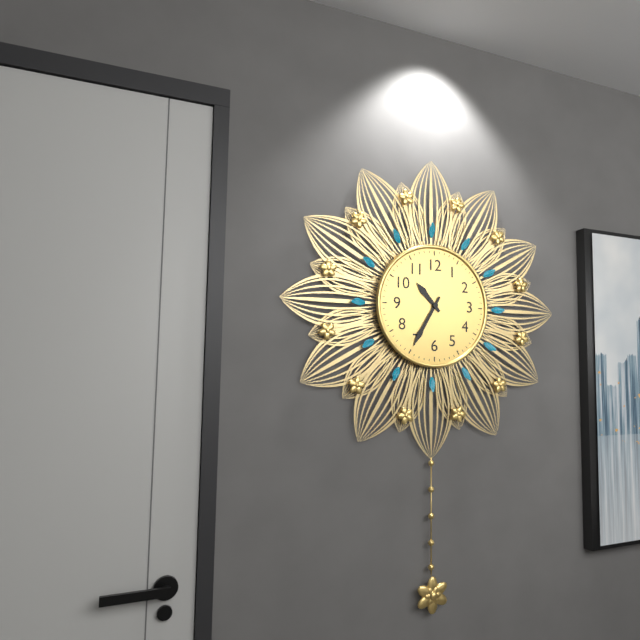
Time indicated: 10:35
